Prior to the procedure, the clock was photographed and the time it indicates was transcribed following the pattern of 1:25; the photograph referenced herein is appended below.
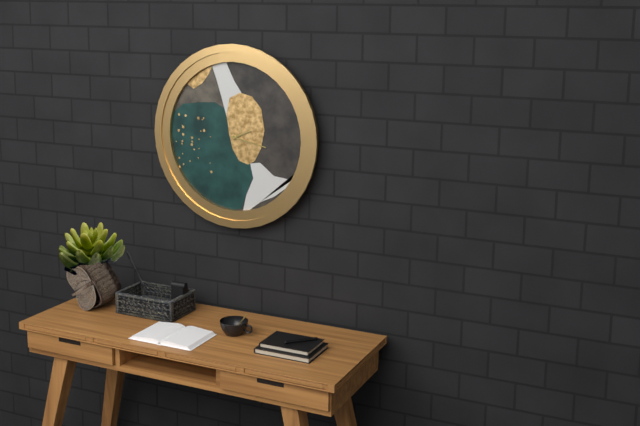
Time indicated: 2:17
